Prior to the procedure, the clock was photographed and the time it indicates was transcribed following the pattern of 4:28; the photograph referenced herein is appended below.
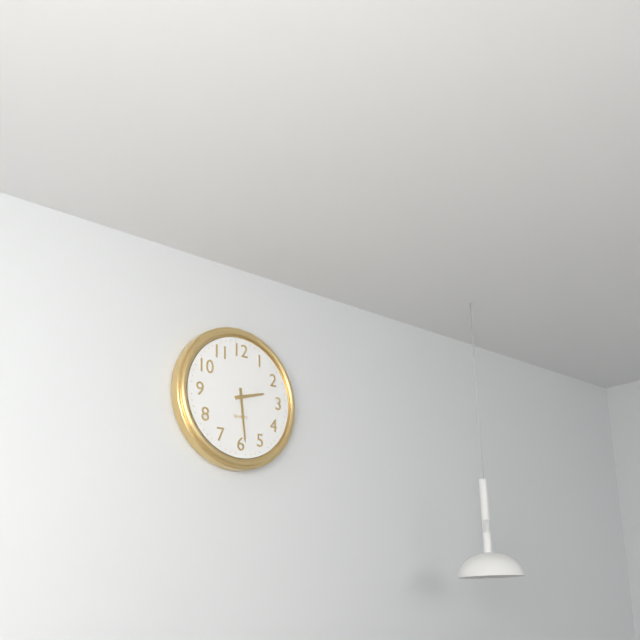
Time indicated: 2:29
